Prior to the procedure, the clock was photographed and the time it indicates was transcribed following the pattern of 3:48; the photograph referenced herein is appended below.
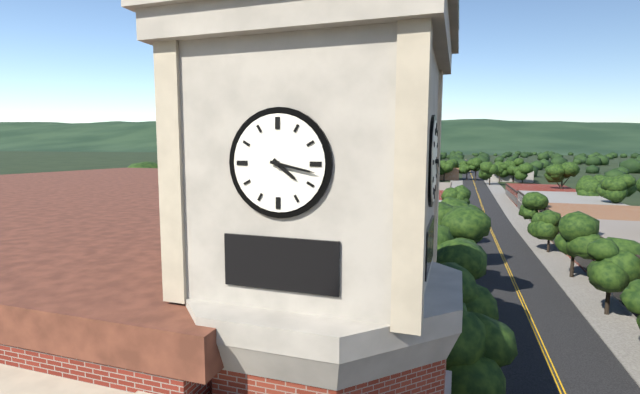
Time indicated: 4:17
